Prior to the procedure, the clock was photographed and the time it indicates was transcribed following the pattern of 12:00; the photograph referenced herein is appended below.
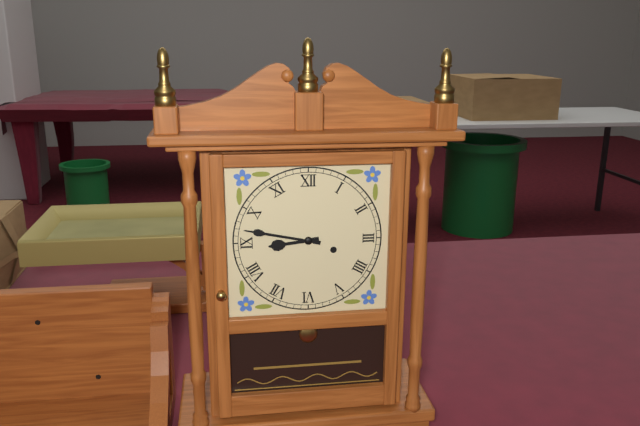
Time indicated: 8:47
